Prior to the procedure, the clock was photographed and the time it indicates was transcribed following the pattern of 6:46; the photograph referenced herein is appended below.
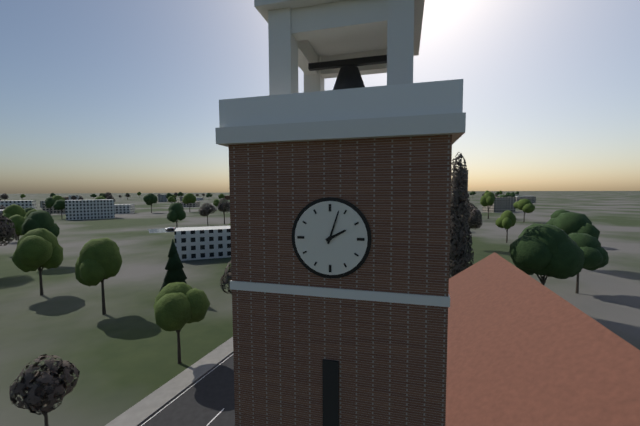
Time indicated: 2:03
